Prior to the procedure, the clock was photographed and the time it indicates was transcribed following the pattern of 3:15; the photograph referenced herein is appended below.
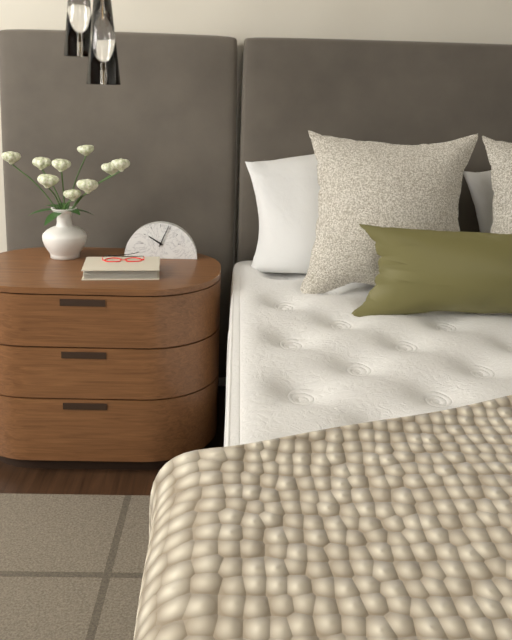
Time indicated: 10:04
